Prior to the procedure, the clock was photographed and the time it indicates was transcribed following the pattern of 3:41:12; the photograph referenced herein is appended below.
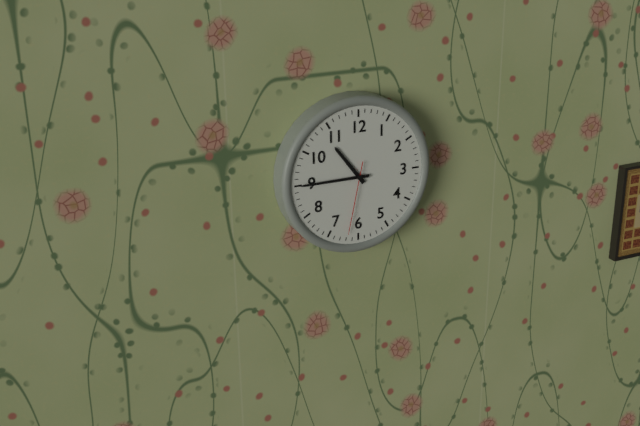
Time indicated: 10:45:32
